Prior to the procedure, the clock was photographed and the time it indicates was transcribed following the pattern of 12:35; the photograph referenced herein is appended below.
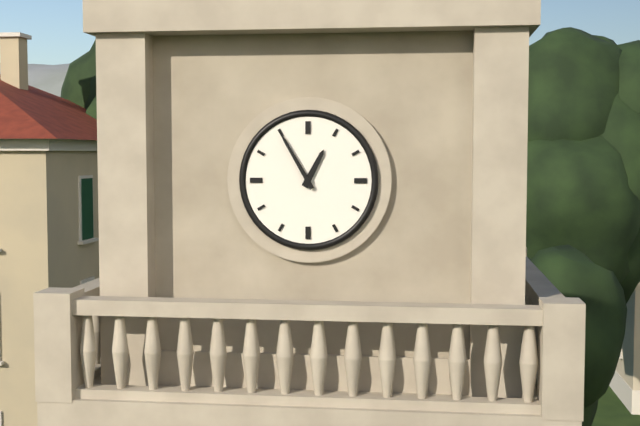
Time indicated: 12:55
